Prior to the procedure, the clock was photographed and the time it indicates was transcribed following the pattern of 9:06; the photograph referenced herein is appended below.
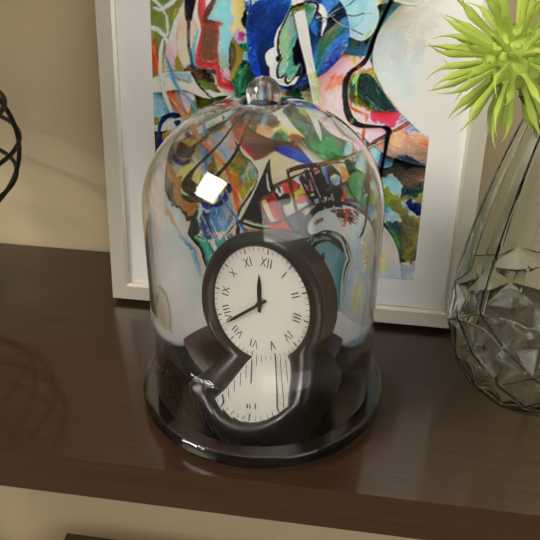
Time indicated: 11:38
